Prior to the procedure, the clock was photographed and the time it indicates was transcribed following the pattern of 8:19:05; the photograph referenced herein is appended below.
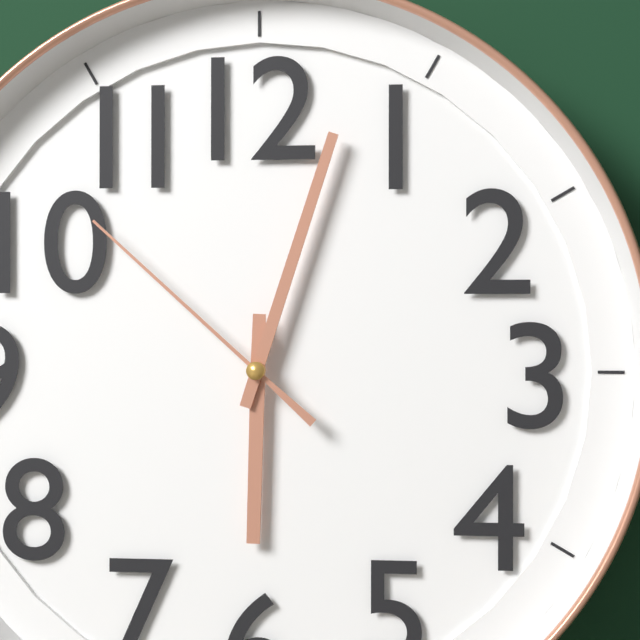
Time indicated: 6:03:52
